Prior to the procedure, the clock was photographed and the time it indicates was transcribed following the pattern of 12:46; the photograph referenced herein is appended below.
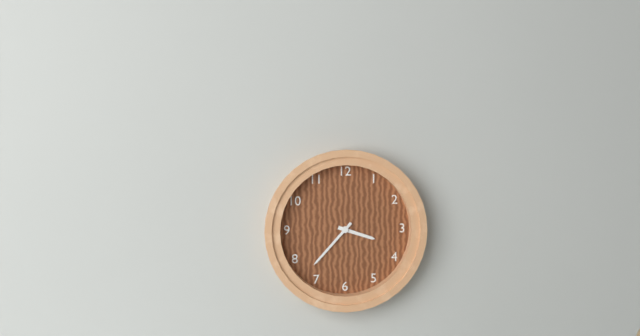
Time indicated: 3:37
